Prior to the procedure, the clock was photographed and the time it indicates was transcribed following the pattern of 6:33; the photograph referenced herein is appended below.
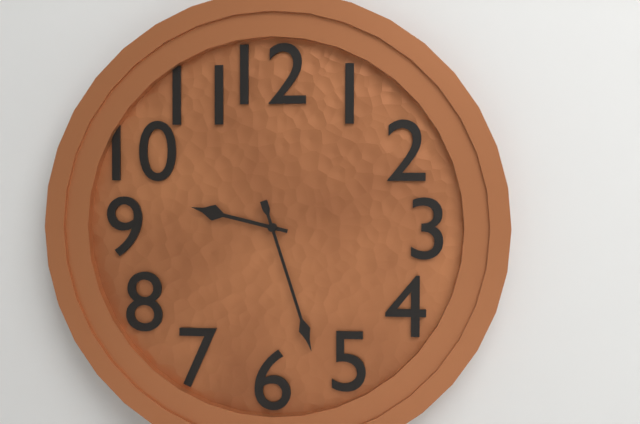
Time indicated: 9:27
